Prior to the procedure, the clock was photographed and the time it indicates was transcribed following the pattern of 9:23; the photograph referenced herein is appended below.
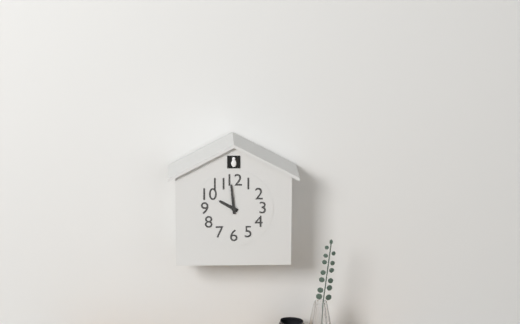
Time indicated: 9:59
